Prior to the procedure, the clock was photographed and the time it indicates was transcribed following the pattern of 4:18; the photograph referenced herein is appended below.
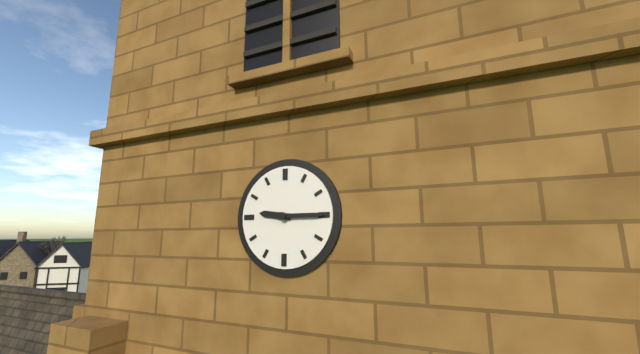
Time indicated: 9:15
